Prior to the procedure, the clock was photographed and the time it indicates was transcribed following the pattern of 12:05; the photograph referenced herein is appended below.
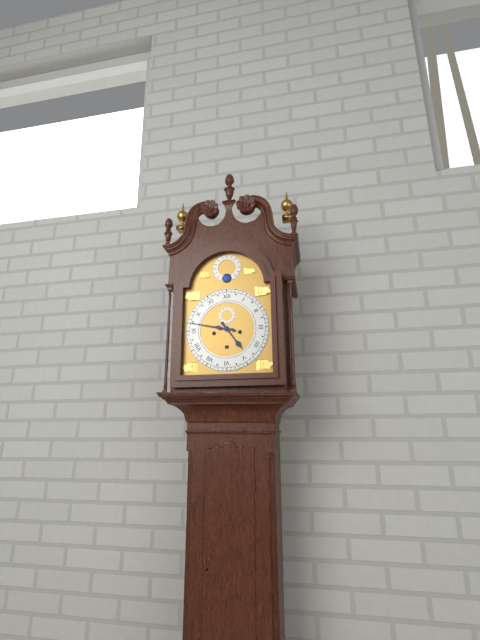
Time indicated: 4:47
